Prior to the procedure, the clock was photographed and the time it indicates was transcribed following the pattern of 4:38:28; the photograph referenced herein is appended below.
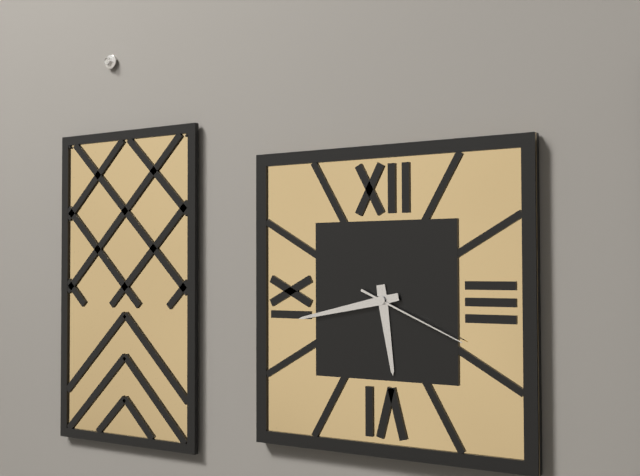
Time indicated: 5:43:19
